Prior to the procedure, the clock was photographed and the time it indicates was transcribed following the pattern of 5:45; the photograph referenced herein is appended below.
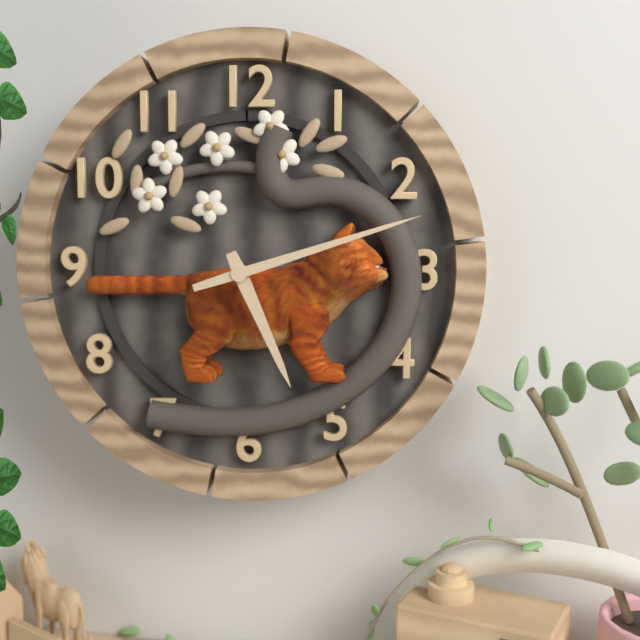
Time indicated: 5:12
